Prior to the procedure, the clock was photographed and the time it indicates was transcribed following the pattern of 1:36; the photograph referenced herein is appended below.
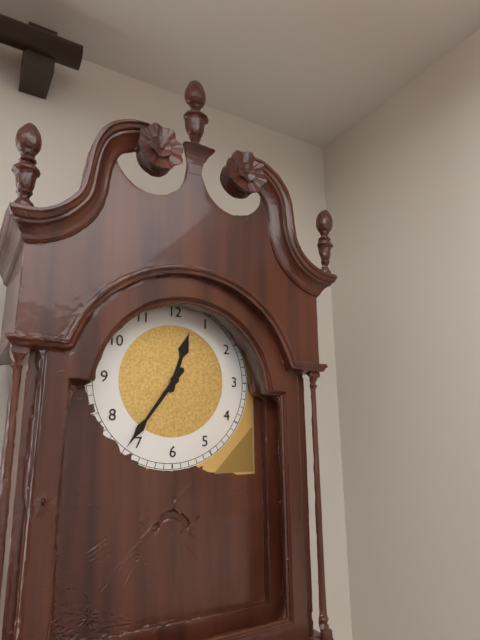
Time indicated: 12:36
